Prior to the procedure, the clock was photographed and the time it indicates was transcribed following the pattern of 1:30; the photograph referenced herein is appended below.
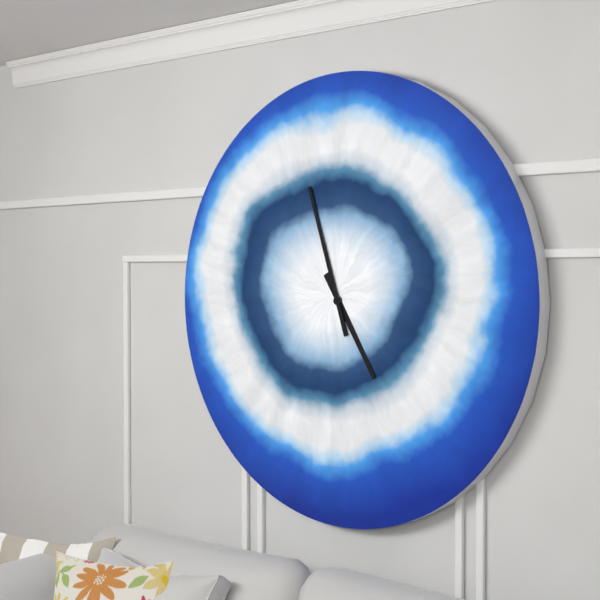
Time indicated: 4:57
